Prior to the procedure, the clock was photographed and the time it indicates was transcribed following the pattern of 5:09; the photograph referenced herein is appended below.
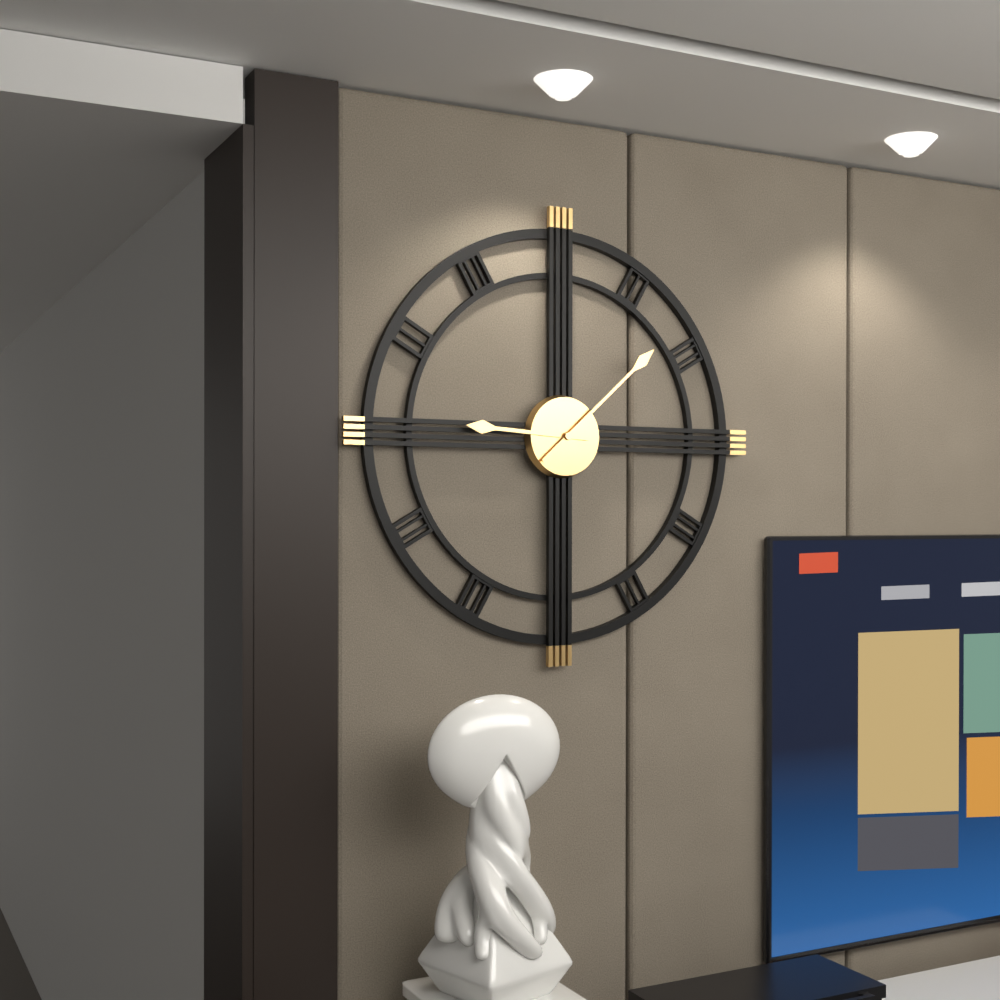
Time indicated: 9:08
